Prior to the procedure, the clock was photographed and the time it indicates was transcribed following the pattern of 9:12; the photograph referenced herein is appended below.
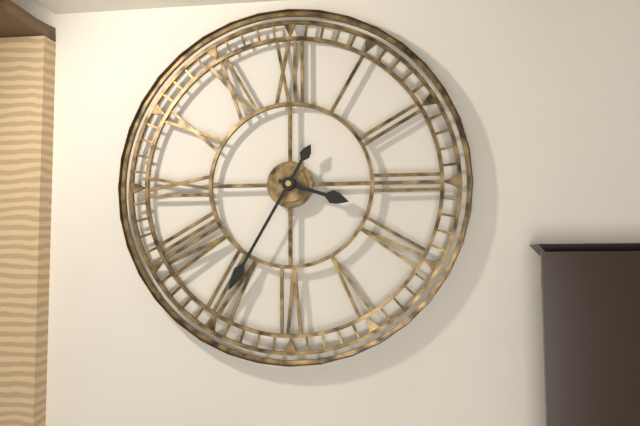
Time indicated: 3:35
